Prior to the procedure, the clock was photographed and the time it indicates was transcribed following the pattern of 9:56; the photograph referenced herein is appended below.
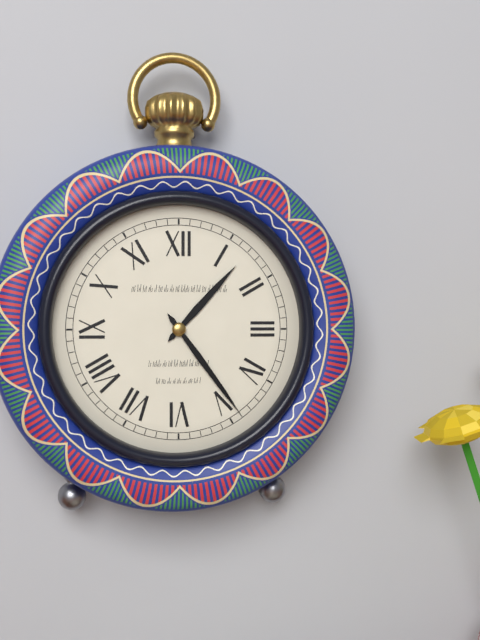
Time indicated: 1:24
